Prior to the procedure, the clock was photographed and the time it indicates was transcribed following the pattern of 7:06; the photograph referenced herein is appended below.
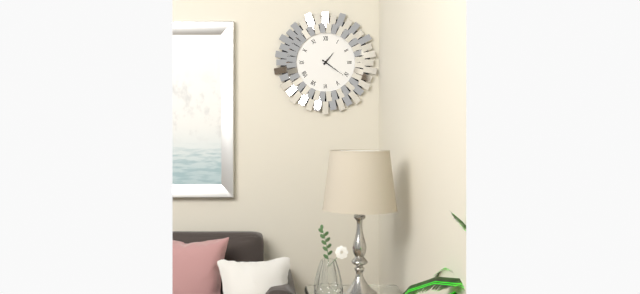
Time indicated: 1:21
